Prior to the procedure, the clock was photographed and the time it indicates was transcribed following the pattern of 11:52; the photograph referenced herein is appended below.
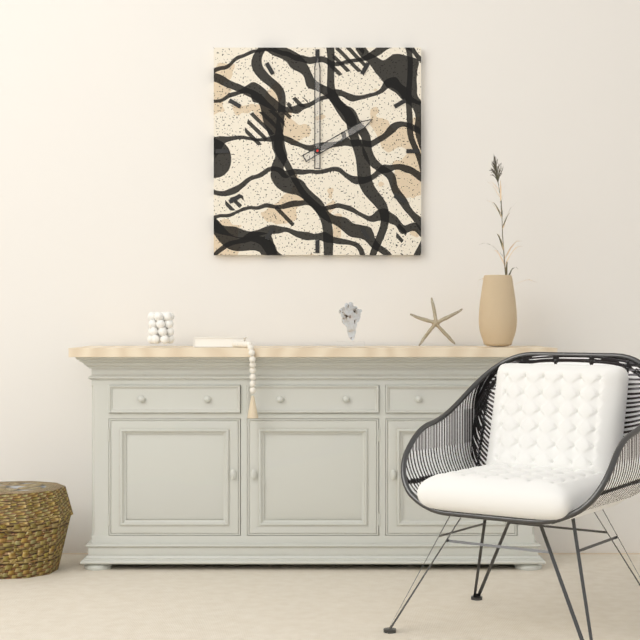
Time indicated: 2:00
